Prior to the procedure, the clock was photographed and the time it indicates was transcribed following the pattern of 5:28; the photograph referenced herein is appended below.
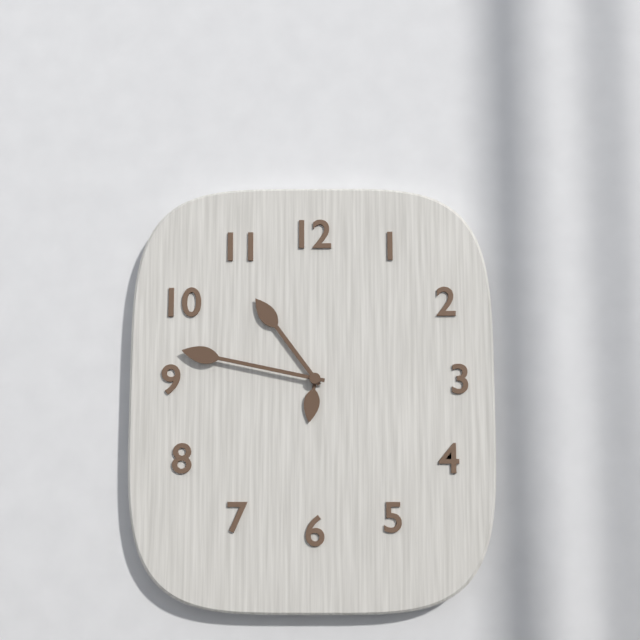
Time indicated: 10:47
